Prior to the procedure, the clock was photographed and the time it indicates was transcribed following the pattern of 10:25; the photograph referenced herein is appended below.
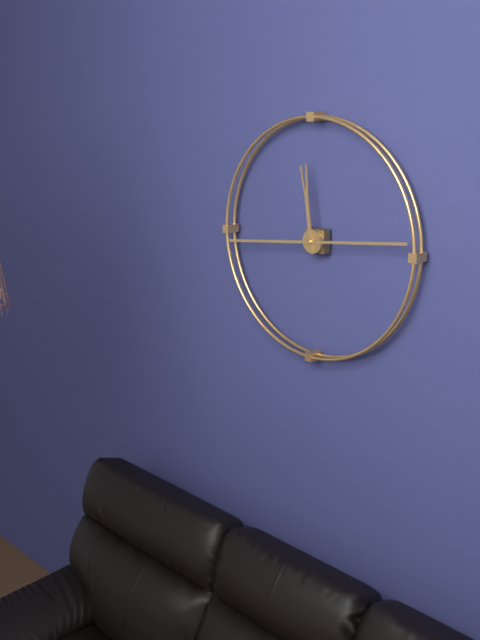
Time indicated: 11:44
